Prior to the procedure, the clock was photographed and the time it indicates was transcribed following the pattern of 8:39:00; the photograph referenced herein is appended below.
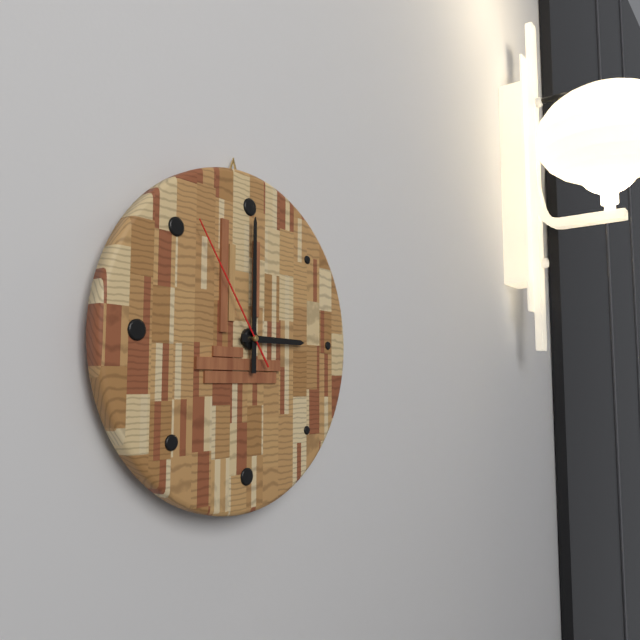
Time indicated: 3:00:54
